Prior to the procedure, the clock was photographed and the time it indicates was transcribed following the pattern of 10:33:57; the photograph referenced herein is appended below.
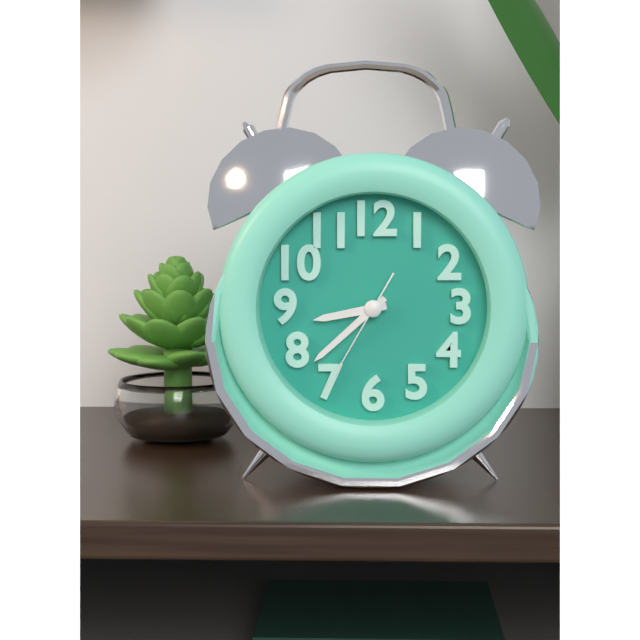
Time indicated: 8:38:35
